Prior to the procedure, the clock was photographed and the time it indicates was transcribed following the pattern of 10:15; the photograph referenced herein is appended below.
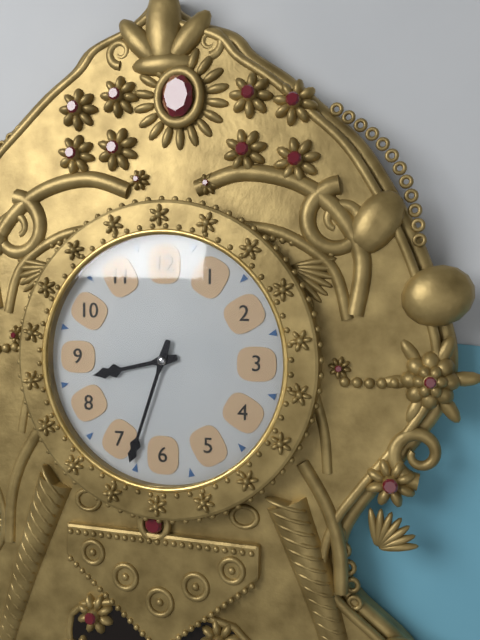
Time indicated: 8:33
